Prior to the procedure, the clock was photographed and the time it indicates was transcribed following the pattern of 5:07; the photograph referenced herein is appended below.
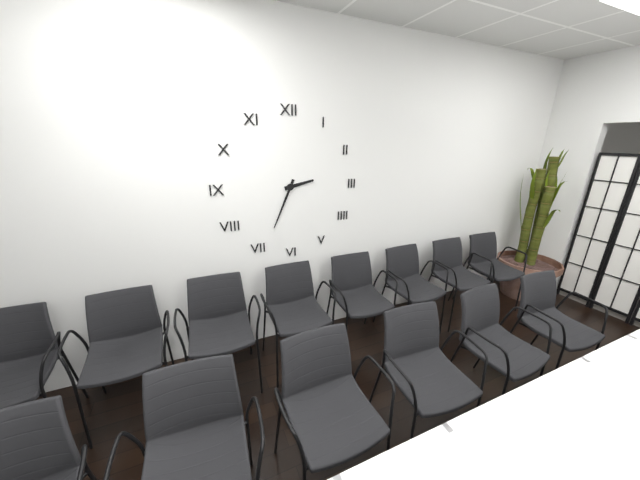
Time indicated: 2:34
